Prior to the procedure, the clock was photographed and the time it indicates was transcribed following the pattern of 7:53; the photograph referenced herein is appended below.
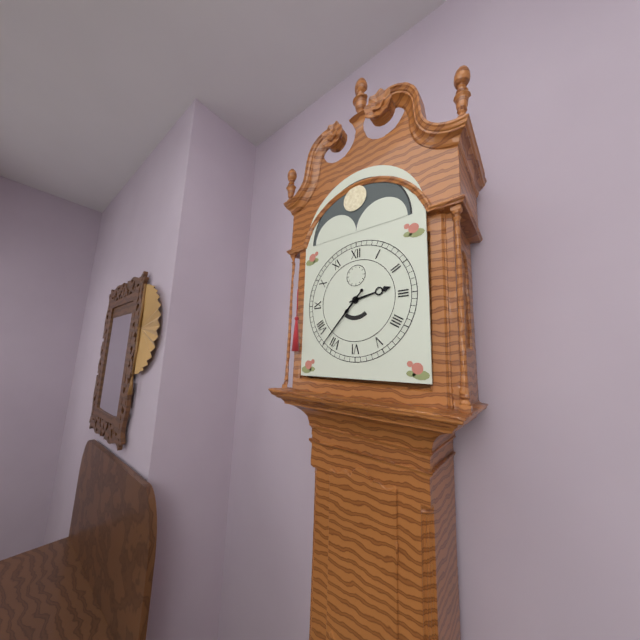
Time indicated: 2:37
